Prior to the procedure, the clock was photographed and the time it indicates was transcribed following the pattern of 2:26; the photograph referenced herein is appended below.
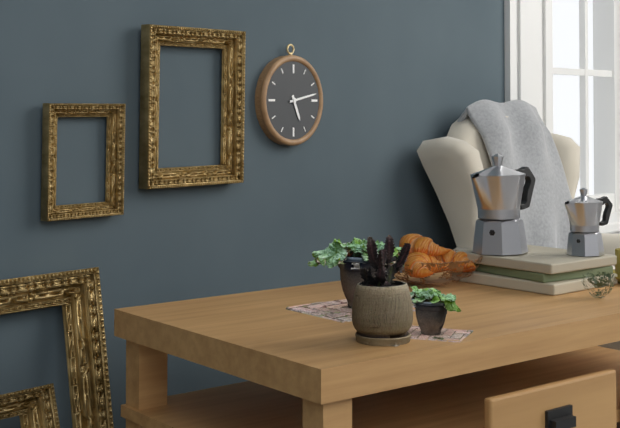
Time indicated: 5:13
